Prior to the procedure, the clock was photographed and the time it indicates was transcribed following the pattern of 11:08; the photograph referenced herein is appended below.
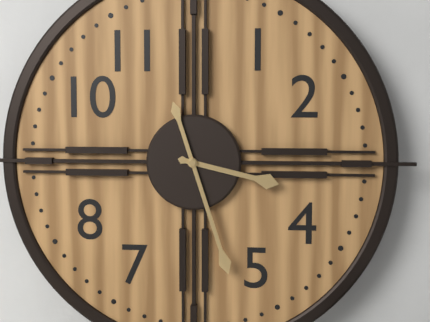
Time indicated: 3:27
